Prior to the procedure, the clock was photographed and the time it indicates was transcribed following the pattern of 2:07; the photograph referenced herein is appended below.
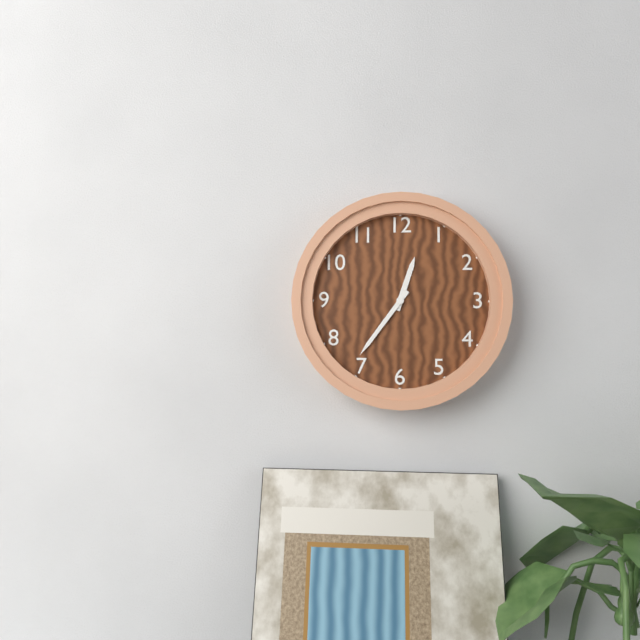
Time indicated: 12:36
